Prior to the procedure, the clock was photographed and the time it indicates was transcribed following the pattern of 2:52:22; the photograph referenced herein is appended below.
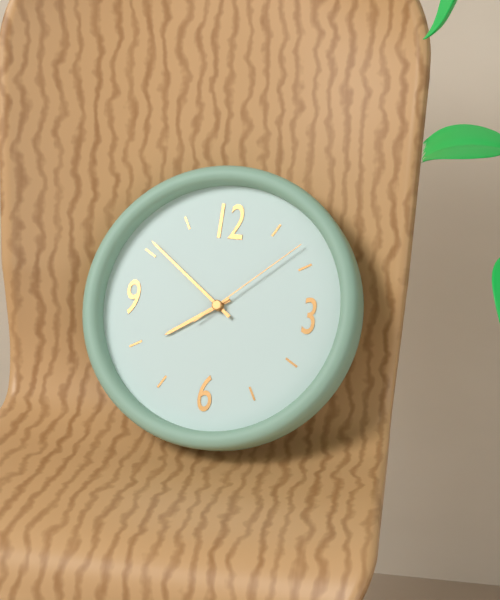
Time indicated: 7:51:08
